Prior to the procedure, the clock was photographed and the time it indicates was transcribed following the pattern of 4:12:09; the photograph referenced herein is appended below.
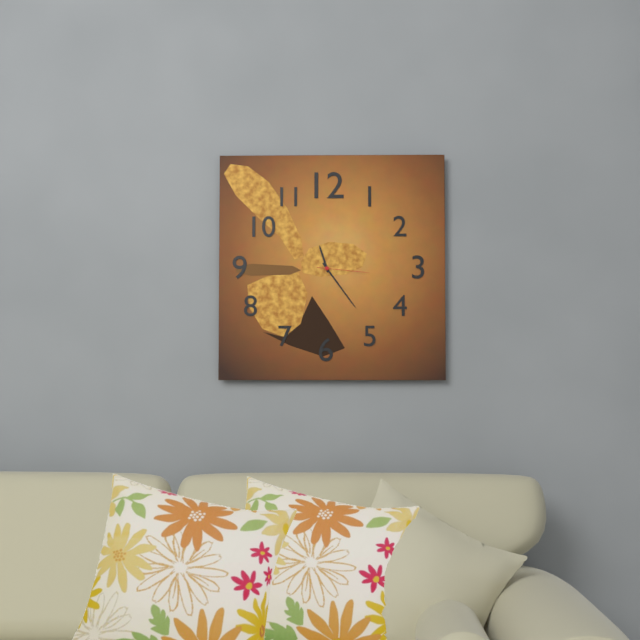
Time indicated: 11:24:16
